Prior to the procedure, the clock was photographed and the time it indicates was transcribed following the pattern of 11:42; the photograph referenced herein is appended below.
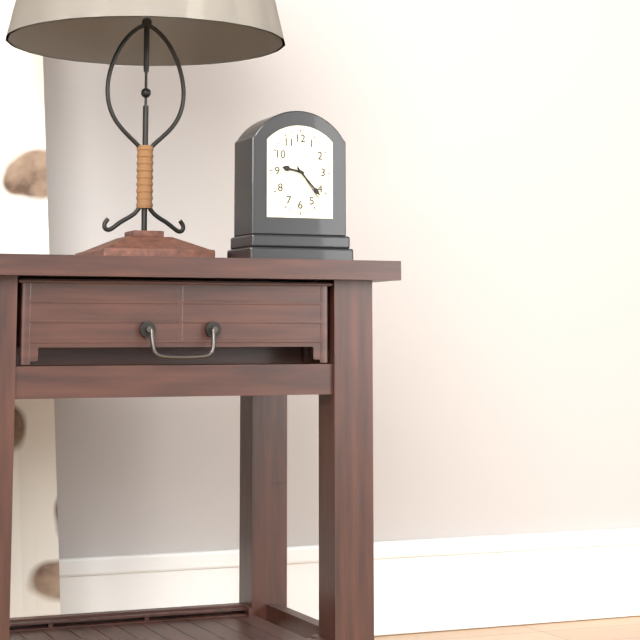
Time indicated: 9:23
